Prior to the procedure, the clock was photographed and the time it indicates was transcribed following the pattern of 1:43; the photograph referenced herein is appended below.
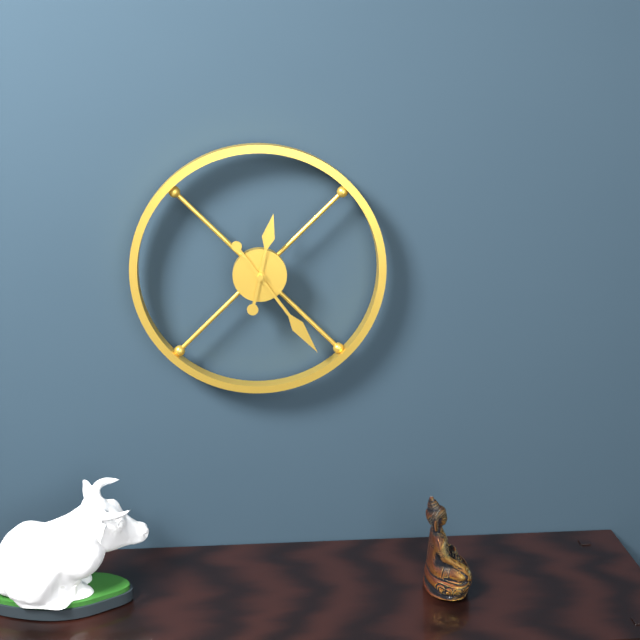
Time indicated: 12:24
